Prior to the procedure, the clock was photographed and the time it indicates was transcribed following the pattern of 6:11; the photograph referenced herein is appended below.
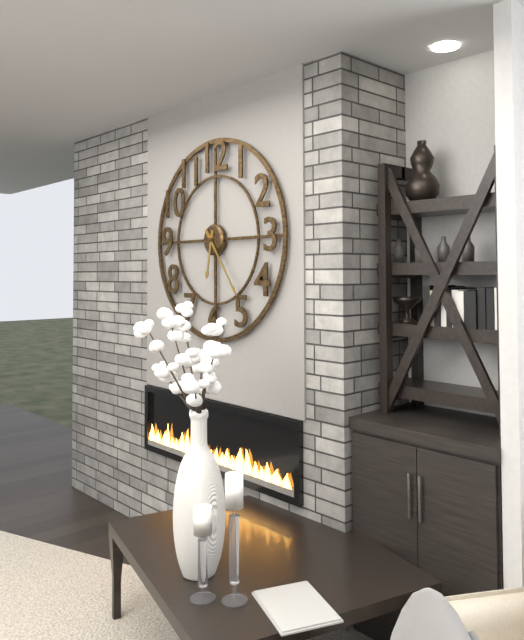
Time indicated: 6:24
